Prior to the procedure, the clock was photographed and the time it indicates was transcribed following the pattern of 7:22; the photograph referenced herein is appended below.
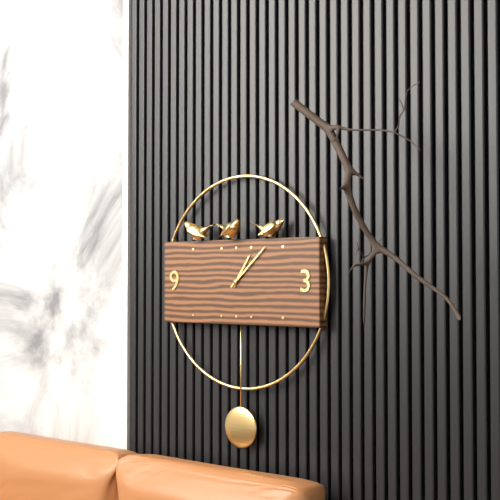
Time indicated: 1:08
